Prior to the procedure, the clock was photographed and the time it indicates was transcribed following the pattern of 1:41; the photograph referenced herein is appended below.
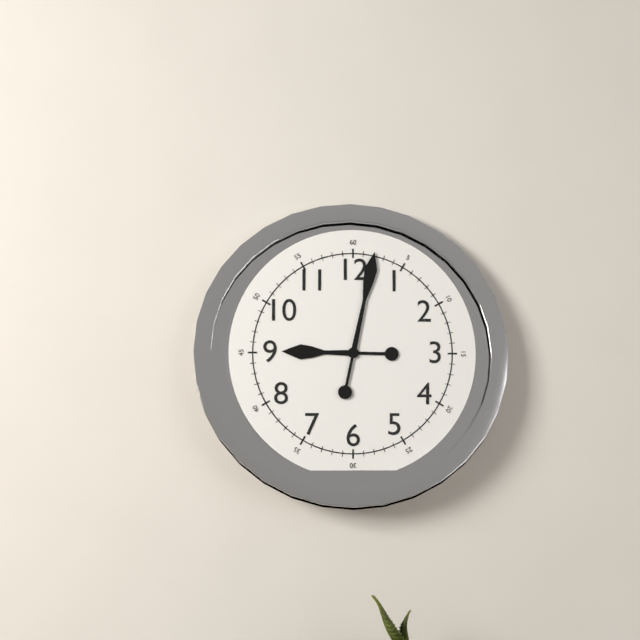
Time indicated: 9:02
